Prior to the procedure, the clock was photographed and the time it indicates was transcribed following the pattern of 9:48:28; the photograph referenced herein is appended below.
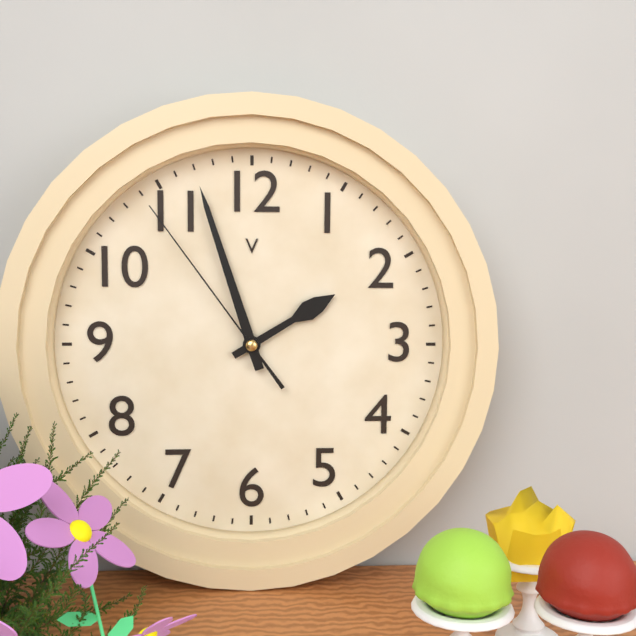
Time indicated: 1:57:54
